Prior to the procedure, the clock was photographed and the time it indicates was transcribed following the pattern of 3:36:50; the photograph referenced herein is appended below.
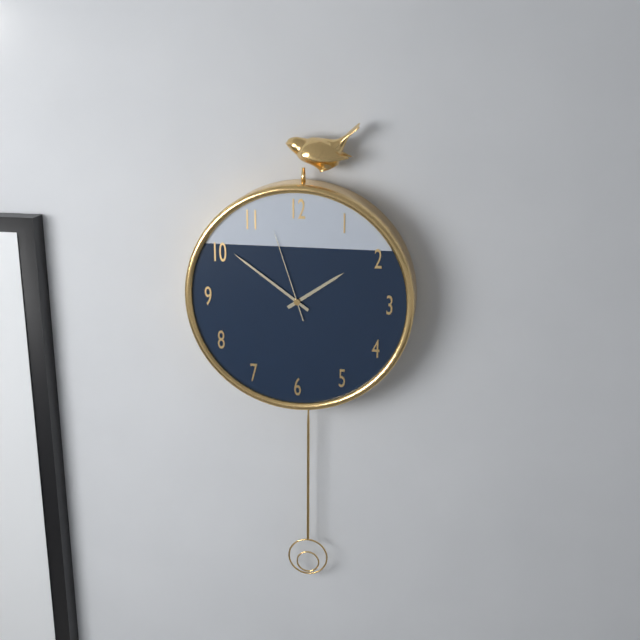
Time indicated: 1:51:57
